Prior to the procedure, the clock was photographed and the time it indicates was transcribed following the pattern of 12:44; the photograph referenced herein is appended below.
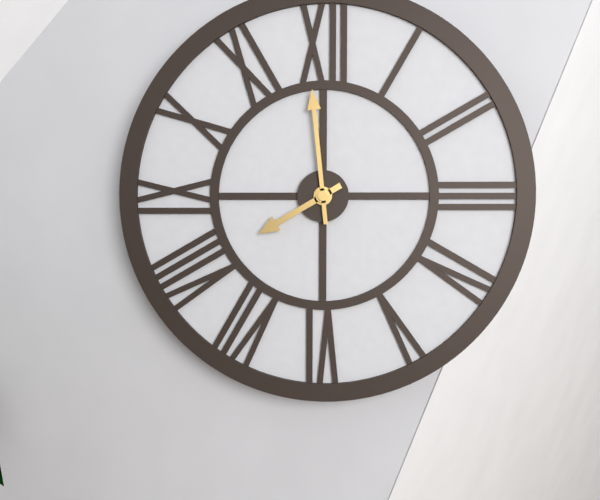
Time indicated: 7:59
